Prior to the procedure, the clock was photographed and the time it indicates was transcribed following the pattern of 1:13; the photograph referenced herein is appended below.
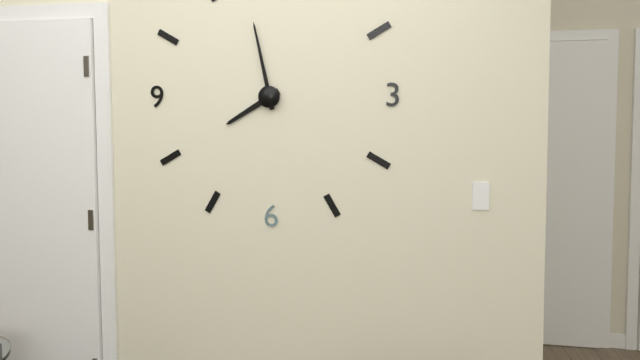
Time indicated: 7:58
